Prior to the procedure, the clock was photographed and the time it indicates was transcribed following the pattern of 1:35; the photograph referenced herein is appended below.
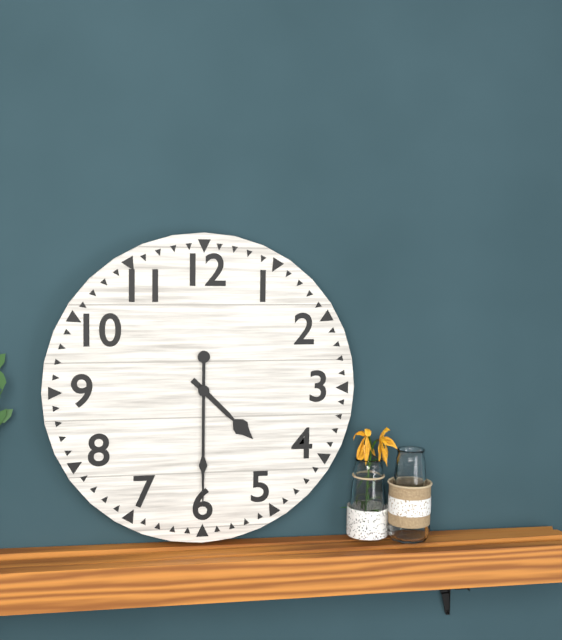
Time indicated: 4:30
